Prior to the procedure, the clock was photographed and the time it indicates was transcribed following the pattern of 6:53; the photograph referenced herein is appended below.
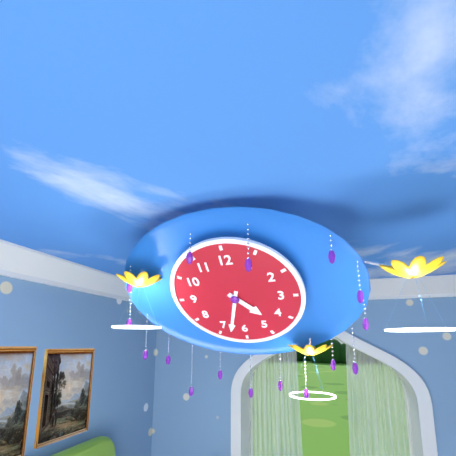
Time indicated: 4:33
